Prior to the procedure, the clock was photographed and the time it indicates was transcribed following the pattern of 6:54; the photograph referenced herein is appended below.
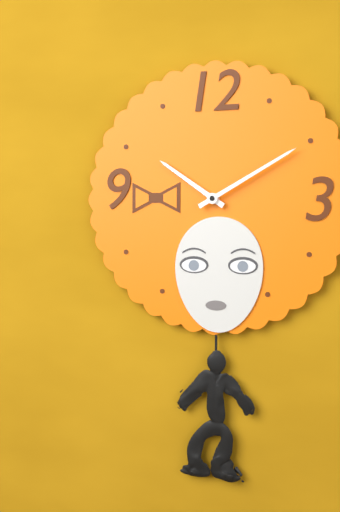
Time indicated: 10:10
